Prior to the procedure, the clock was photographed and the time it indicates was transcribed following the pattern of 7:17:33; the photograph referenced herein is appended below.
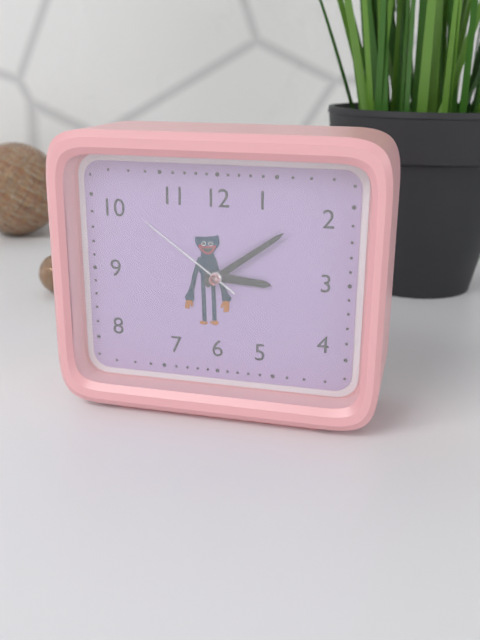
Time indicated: 3:09:51
